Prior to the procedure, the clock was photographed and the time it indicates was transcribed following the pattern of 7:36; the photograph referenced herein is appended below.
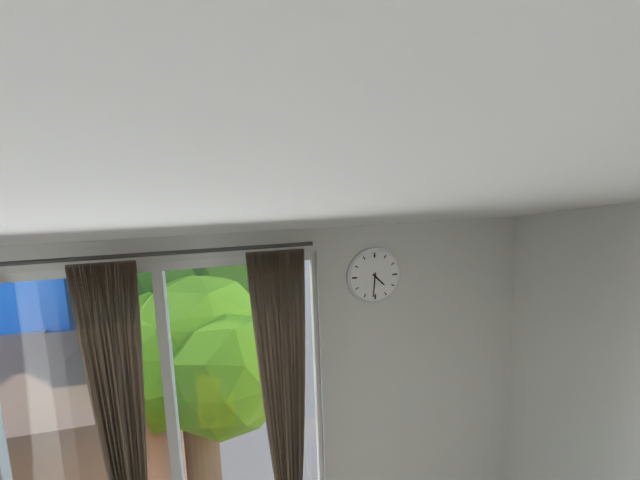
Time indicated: 4:31
